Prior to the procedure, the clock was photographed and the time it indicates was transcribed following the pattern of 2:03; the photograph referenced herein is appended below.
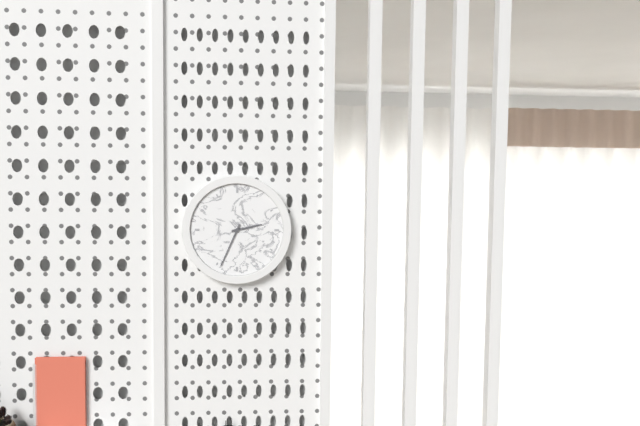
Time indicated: 2:34
